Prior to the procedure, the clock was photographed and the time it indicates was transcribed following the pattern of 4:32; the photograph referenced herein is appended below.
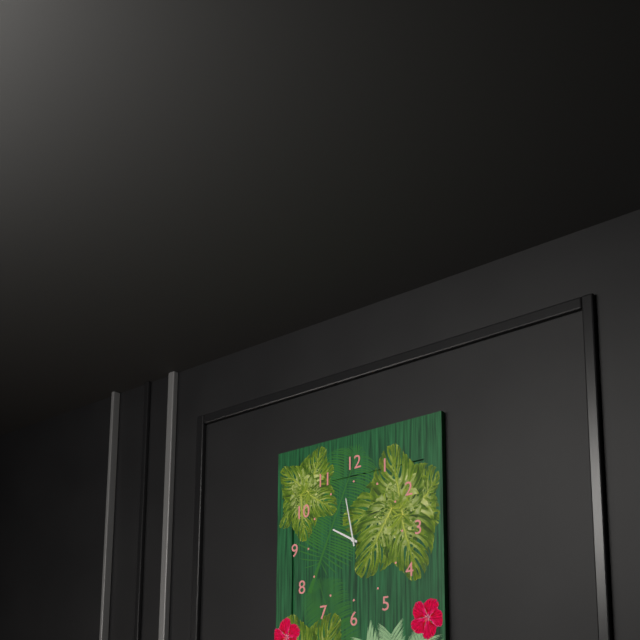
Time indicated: 9:58
